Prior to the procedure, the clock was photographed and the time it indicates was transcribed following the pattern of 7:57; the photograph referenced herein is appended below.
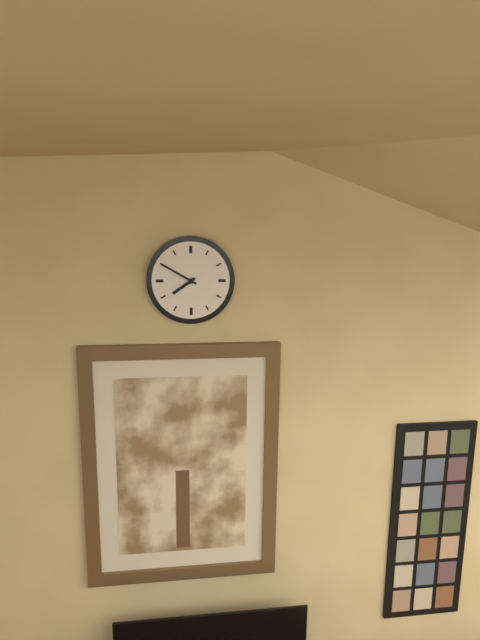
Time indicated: 7:50
